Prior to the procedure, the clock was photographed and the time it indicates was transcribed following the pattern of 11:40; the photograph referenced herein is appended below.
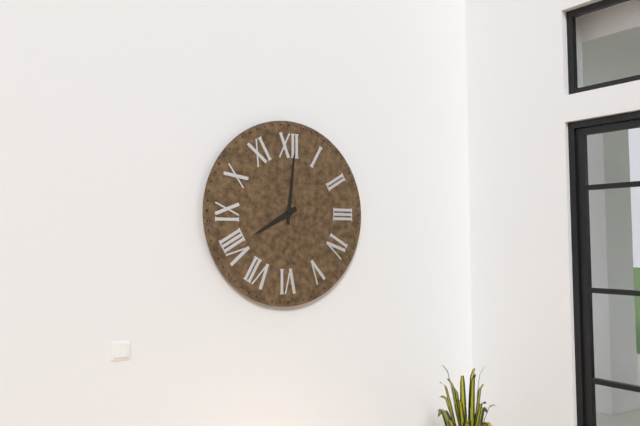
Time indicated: 8:01
